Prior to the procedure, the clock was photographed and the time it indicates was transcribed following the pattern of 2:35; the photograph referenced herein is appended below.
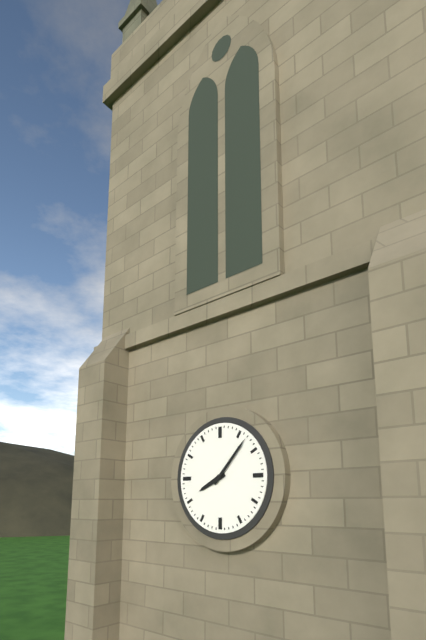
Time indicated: 8:07
